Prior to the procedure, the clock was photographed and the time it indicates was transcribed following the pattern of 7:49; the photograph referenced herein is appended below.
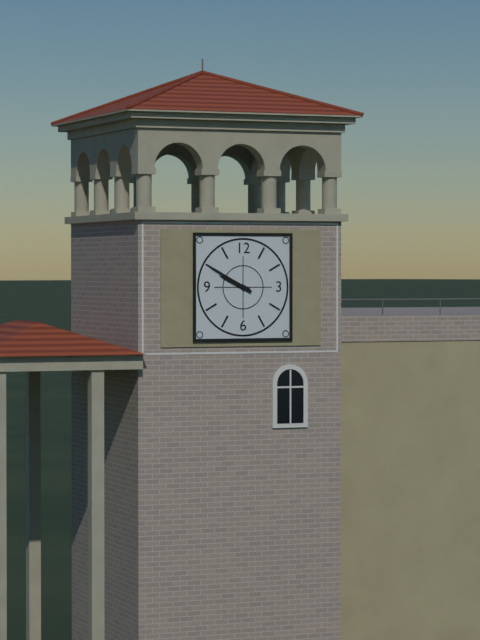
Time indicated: 9:50
